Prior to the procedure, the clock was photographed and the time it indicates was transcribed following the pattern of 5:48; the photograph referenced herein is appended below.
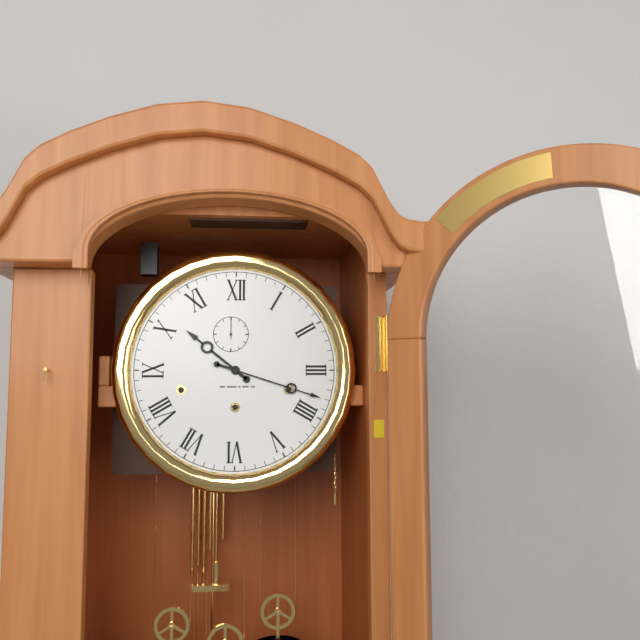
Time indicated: 10:18
